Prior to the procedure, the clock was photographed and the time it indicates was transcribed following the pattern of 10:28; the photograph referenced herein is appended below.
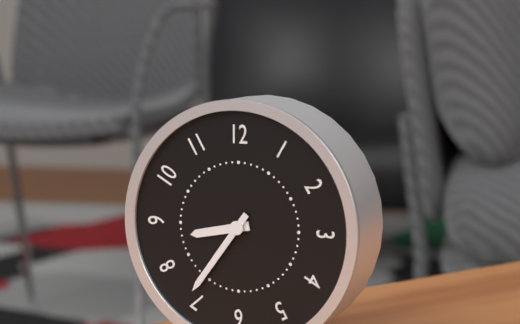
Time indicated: 8:36
